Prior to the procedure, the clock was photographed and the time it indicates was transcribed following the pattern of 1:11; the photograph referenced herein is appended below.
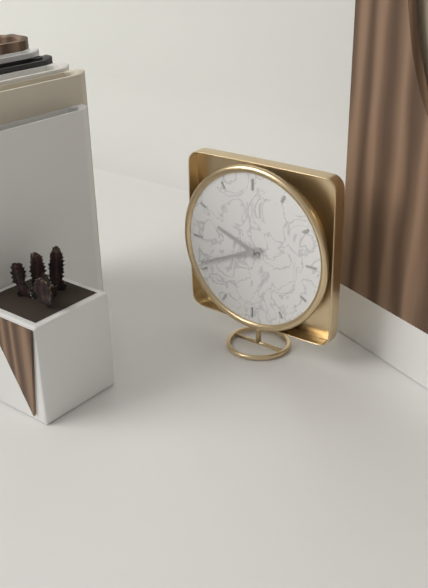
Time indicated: 9:41
